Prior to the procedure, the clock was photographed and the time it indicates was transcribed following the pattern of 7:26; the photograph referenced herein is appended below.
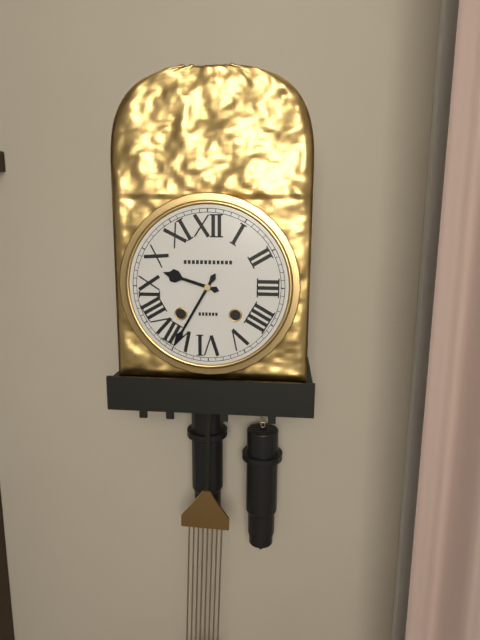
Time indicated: 9:35
